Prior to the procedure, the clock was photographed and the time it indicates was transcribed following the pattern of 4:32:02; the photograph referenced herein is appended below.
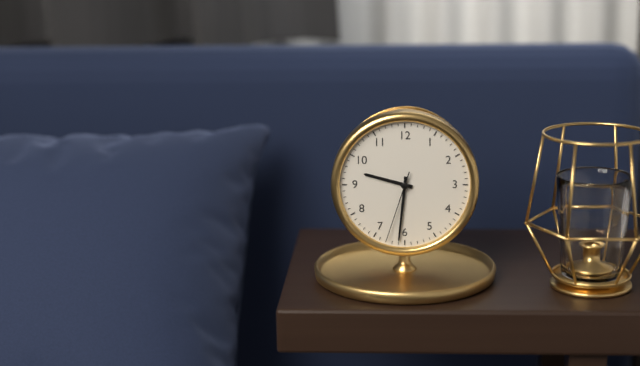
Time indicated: 9:31:33
